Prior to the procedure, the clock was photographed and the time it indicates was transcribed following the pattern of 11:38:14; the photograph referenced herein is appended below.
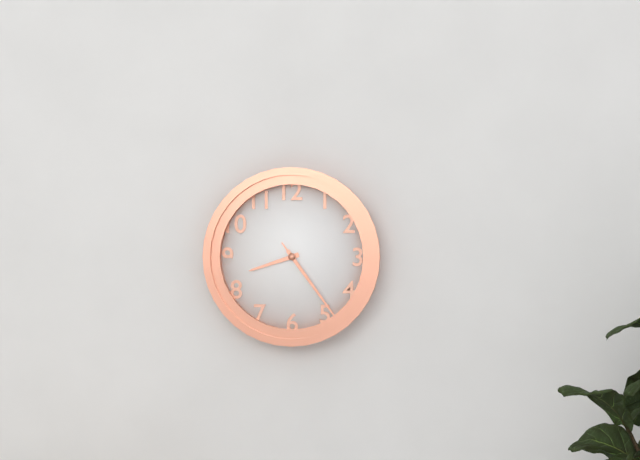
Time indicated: 8:24:24
